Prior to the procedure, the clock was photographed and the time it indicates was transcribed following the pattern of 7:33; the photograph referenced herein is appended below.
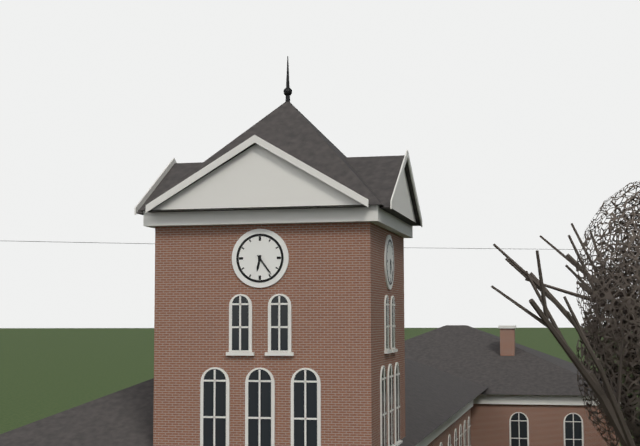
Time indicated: 6:24
